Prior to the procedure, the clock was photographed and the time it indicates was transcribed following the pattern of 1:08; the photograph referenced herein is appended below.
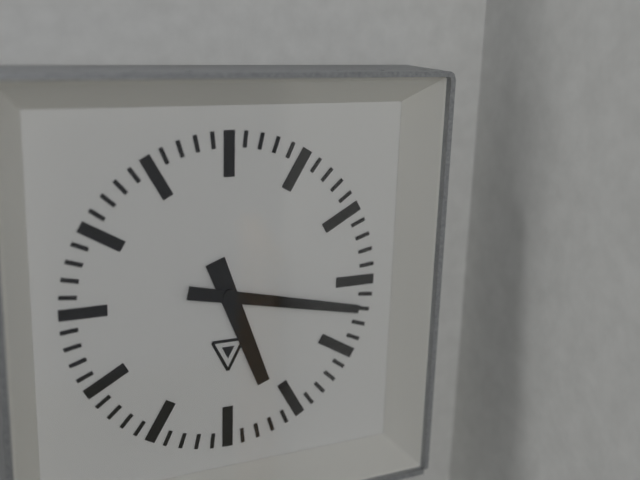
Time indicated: 5:17
